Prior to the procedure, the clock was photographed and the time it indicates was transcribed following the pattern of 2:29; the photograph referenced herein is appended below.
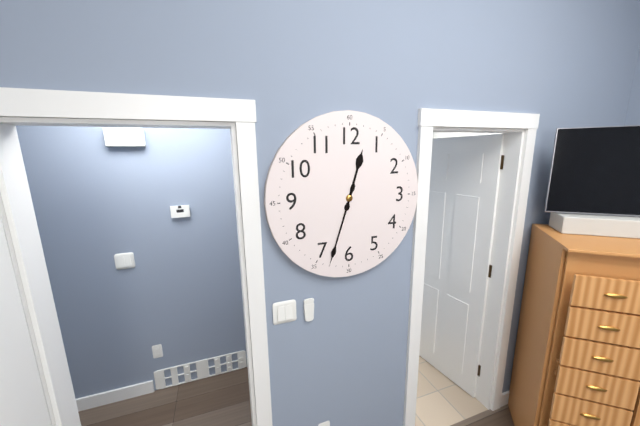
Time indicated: 12:33
